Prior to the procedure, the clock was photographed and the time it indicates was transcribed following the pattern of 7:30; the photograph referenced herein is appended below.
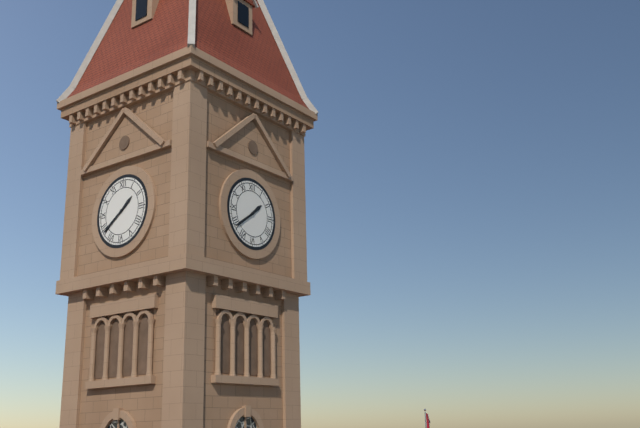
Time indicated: 1:39
